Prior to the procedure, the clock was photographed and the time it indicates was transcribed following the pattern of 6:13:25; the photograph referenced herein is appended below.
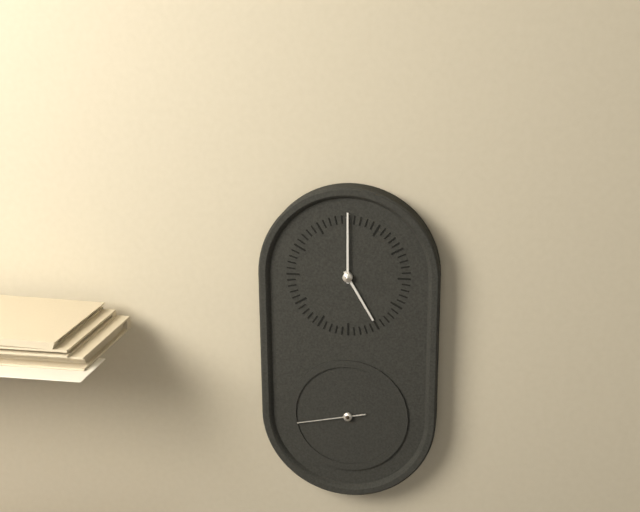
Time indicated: 5:00:43
